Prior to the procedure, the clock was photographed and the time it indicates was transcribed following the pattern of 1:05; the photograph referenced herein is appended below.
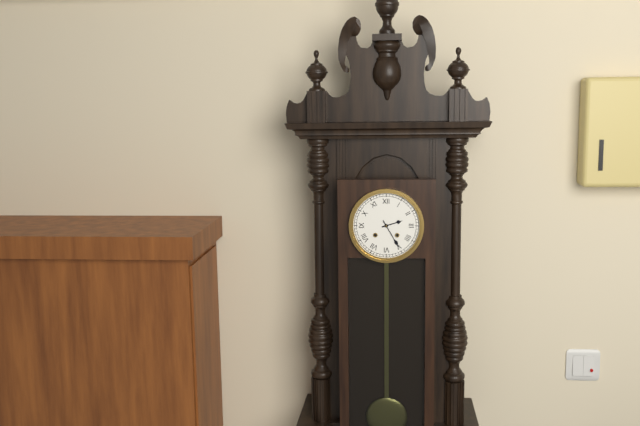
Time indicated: 2:25
